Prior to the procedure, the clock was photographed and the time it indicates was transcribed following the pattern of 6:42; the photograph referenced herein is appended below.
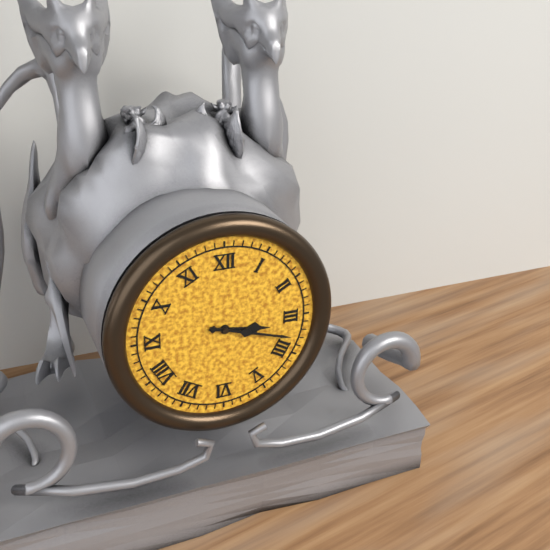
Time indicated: 3:18
